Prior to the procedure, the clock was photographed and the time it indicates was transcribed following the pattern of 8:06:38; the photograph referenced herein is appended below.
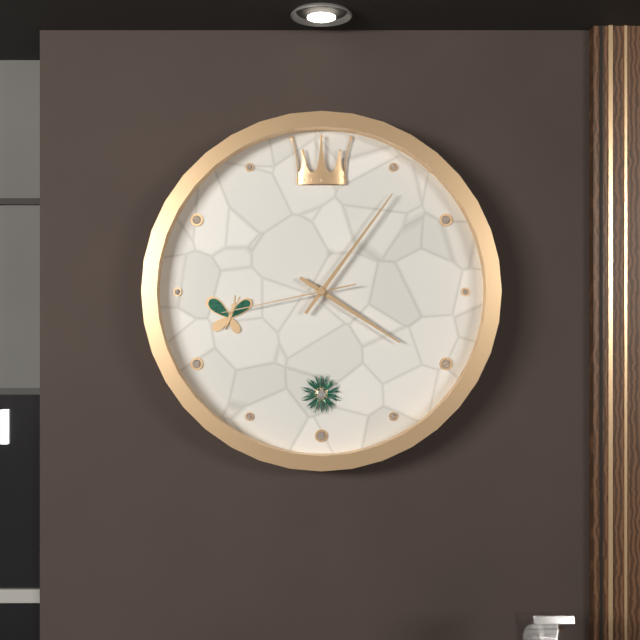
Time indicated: 4:06:43
